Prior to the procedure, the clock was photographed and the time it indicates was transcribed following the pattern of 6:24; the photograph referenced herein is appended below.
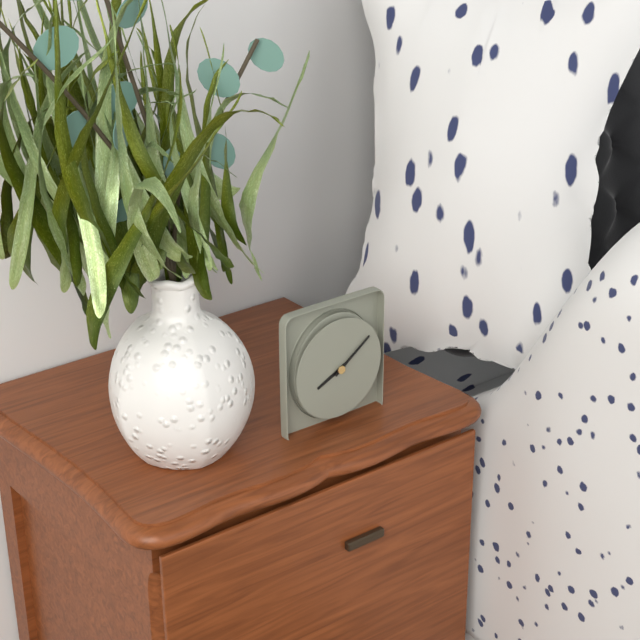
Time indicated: 8:09
